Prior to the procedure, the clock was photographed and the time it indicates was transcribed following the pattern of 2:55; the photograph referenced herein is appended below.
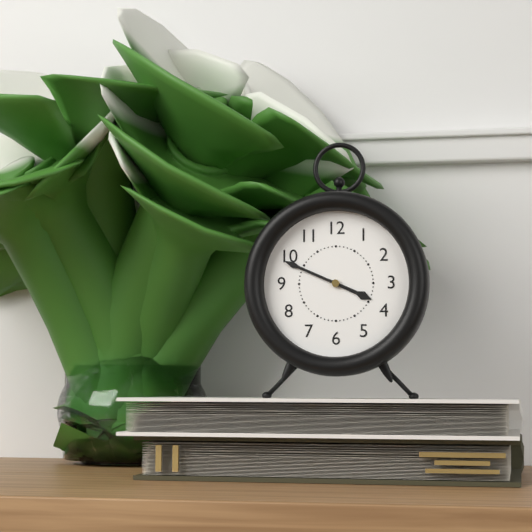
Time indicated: 3:49
